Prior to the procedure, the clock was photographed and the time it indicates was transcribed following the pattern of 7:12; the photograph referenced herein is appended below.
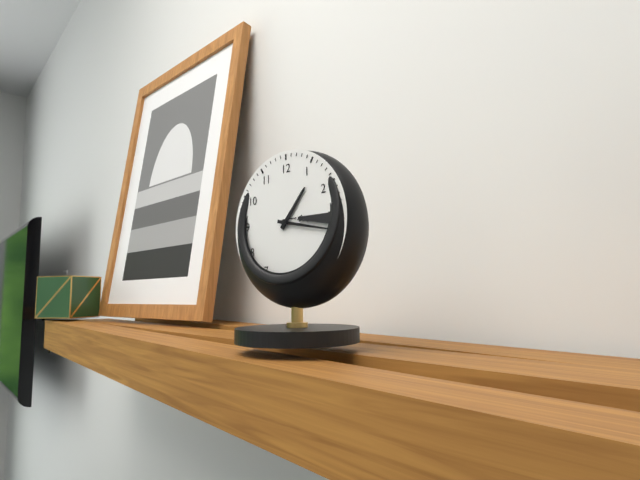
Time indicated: 1:17
